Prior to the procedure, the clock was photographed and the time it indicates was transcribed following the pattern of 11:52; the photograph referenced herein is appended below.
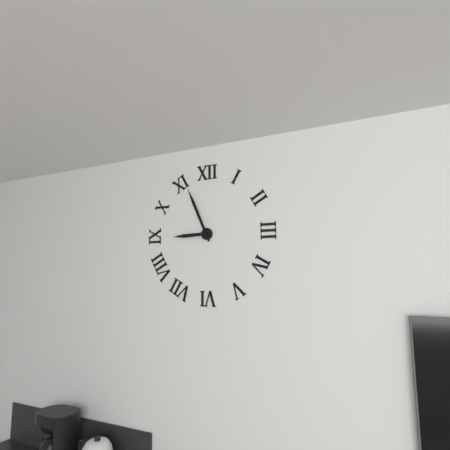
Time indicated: 8:56
